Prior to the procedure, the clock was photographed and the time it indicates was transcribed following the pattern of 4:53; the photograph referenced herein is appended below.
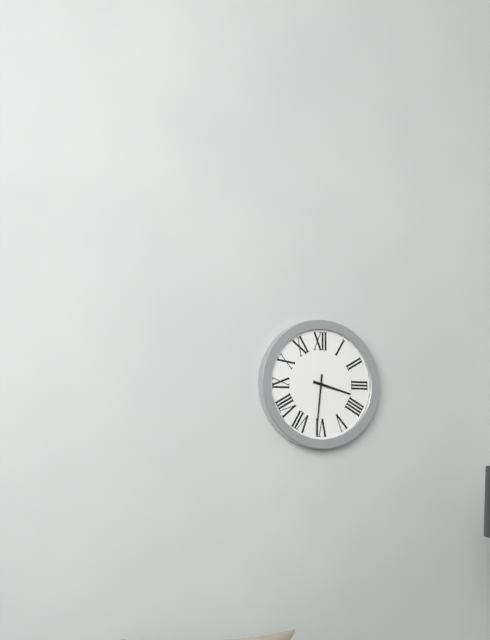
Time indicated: 3:31
